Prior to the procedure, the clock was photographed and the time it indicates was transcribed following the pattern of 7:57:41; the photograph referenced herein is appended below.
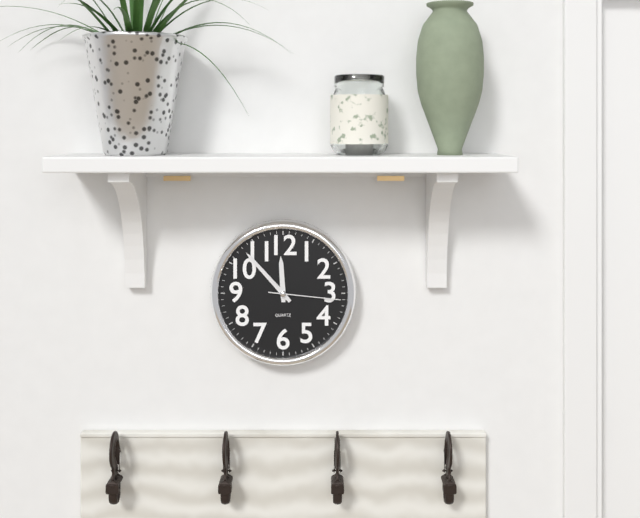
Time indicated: 11:53:16
